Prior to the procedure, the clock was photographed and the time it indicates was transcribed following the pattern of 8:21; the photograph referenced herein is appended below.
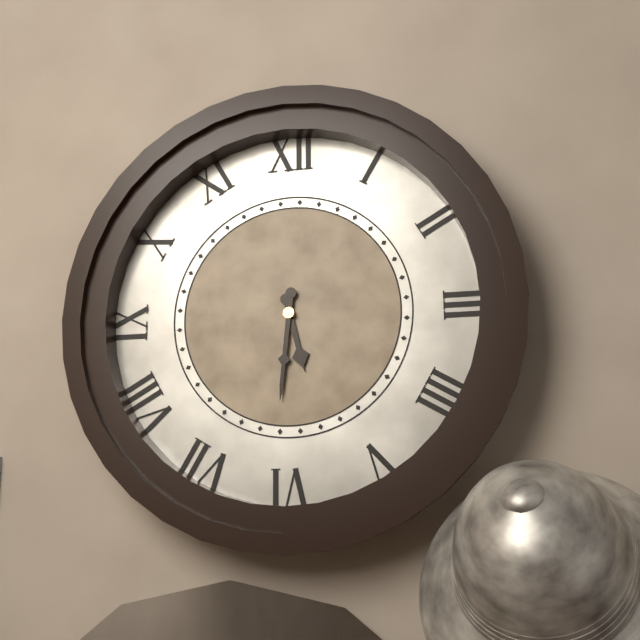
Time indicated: 5:31
